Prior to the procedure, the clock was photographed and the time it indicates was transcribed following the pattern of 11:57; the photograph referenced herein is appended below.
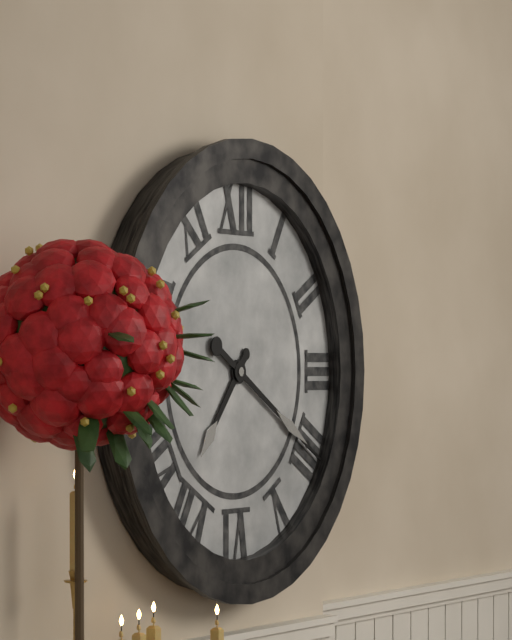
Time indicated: 7:20
